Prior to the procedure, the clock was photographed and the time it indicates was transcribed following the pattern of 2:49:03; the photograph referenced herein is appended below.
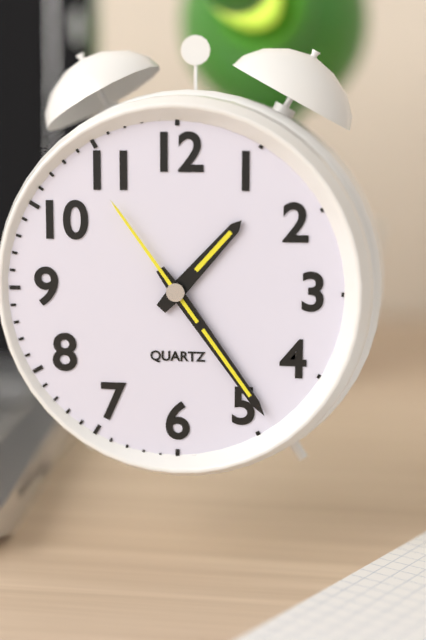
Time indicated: 1:24:54
